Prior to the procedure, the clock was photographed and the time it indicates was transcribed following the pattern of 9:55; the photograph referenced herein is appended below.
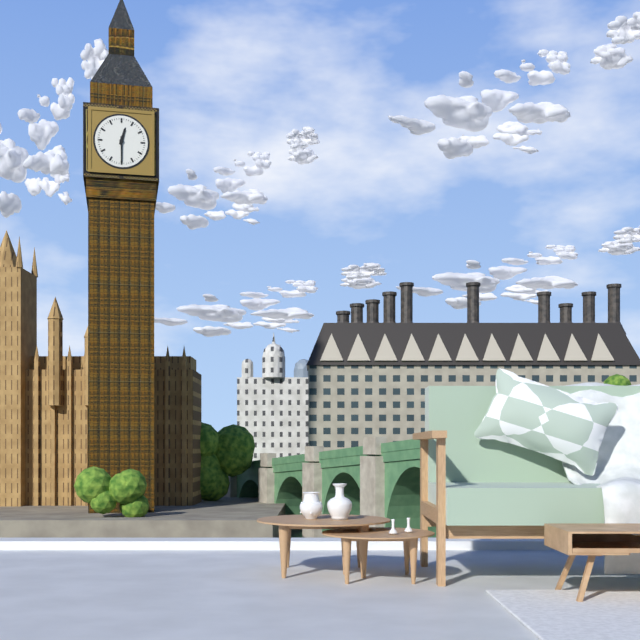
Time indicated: 12:30
